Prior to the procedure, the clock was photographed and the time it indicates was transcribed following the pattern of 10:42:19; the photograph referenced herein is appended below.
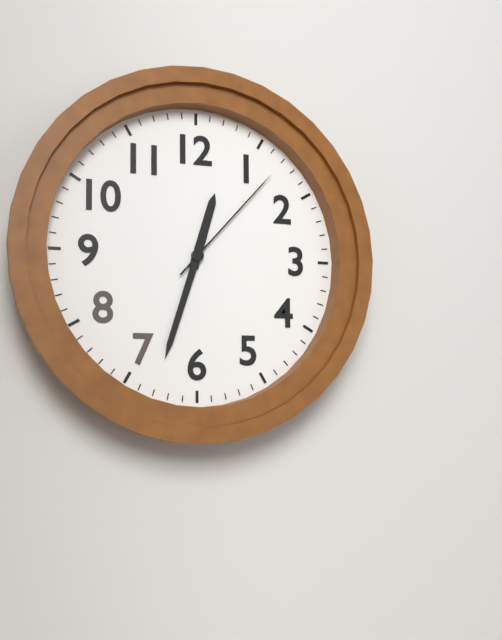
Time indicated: 12:33:07
